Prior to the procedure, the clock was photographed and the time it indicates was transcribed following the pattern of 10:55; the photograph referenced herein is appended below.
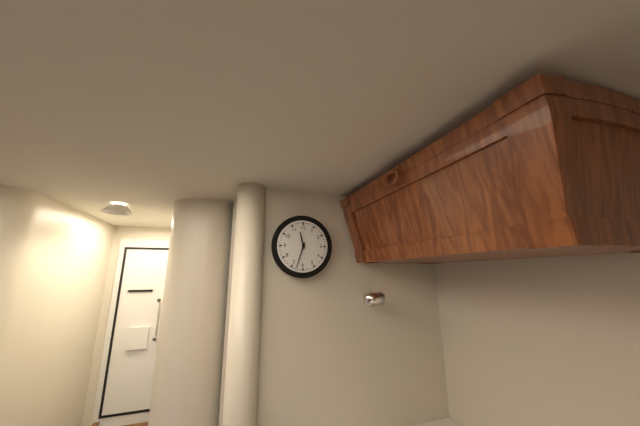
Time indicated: 11:33
